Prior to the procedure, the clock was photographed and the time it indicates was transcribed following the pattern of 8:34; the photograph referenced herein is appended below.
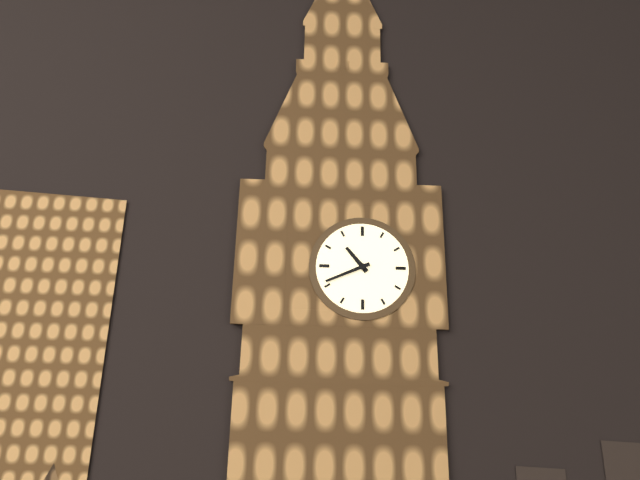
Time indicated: 10:41
